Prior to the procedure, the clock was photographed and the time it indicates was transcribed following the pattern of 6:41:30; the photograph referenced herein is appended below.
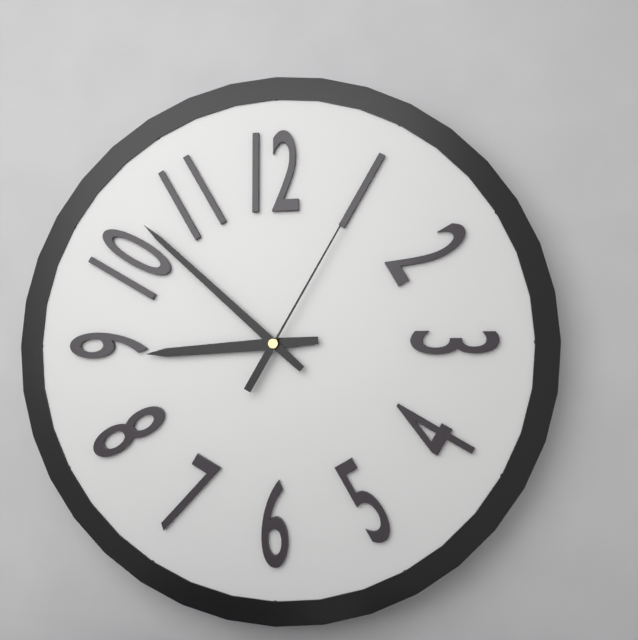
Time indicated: 8:52:05
